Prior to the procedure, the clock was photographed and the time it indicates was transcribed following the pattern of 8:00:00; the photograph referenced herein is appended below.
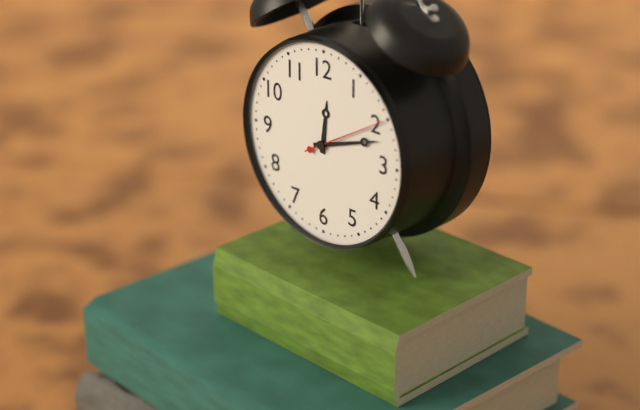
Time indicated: 12:12:10
